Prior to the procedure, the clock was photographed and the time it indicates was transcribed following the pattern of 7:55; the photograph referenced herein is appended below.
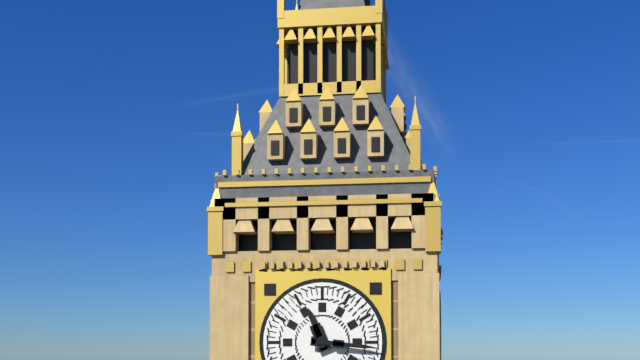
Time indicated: 11:16
